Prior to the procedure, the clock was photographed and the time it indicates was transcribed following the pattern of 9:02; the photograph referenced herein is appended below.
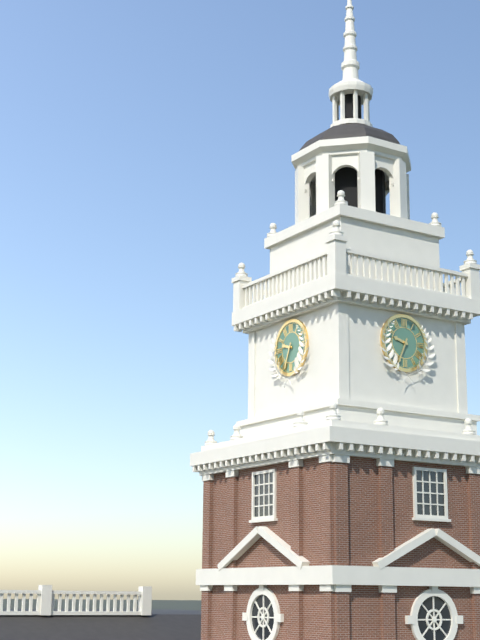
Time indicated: 9:34
